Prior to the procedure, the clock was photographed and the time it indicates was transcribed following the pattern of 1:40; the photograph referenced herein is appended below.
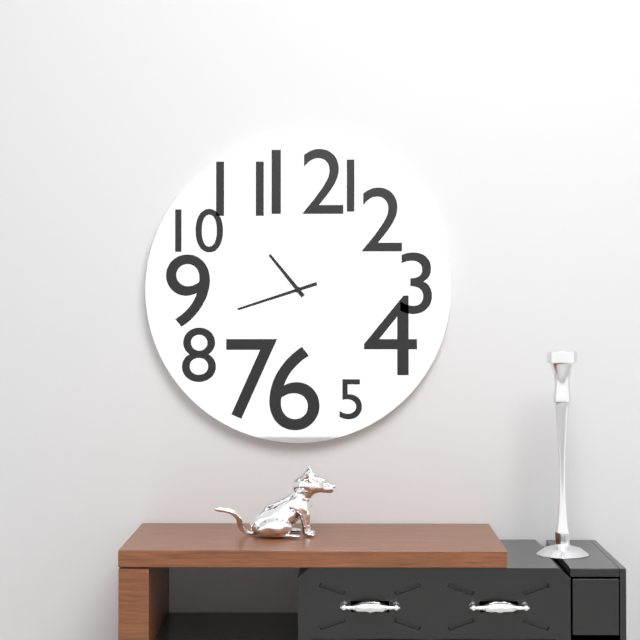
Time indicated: 10:42
